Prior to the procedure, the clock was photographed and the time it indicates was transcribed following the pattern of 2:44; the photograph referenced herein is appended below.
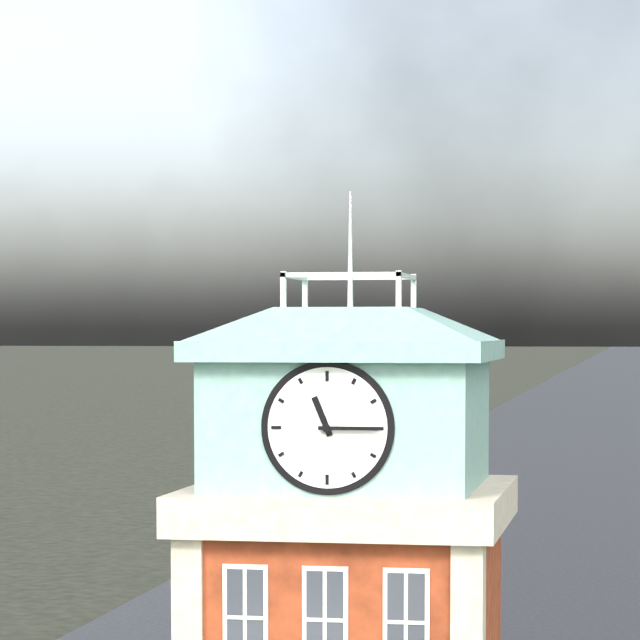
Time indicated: 11:15
